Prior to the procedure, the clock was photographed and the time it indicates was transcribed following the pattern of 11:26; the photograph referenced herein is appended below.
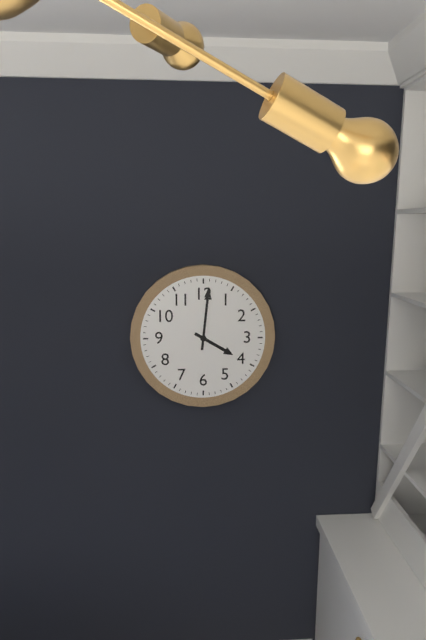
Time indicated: 4:01
